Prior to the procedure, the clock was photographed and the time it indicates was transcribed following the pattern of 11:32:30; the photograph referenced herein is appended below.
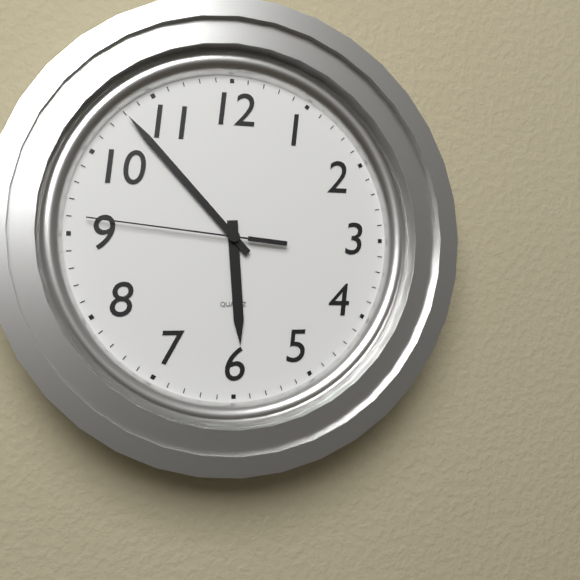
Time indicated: 5:53:46
